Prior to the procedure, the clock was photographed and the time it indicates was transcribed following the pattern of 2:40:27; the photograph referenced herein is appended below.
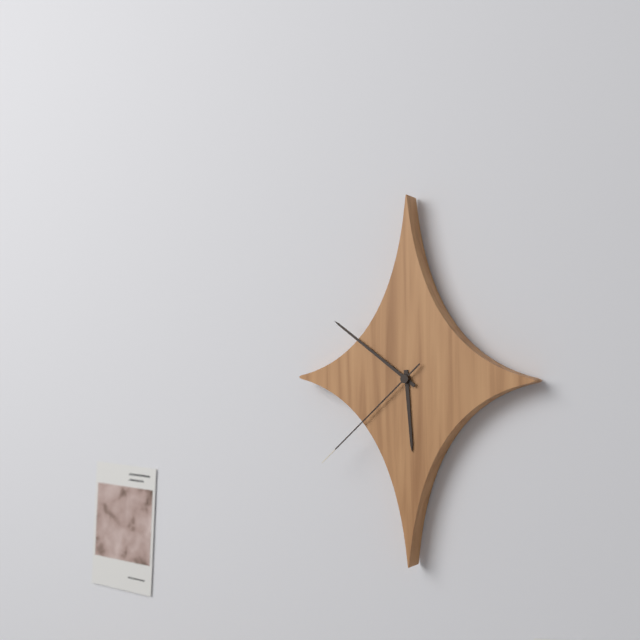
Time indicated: 5:51:38
